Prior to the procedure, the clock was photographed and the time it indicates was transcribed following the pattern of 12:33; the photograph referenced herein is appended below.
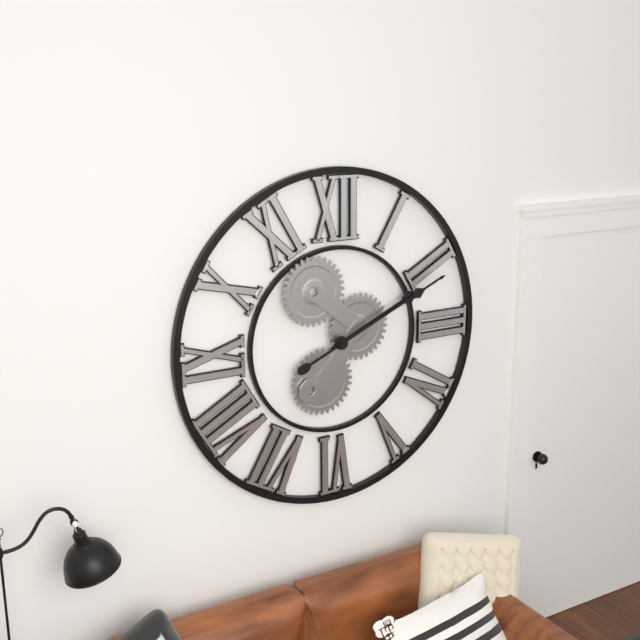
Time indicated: 2:11
